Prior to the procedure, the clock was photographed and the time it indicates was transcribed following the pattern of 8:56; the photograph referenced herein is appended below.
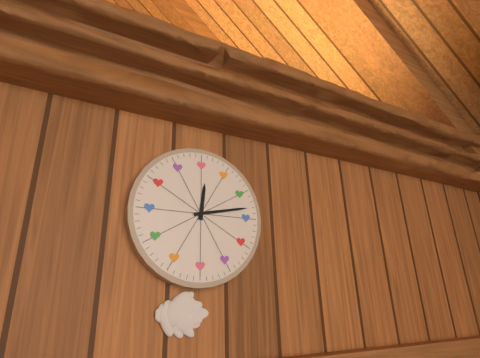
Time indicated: 12:13
